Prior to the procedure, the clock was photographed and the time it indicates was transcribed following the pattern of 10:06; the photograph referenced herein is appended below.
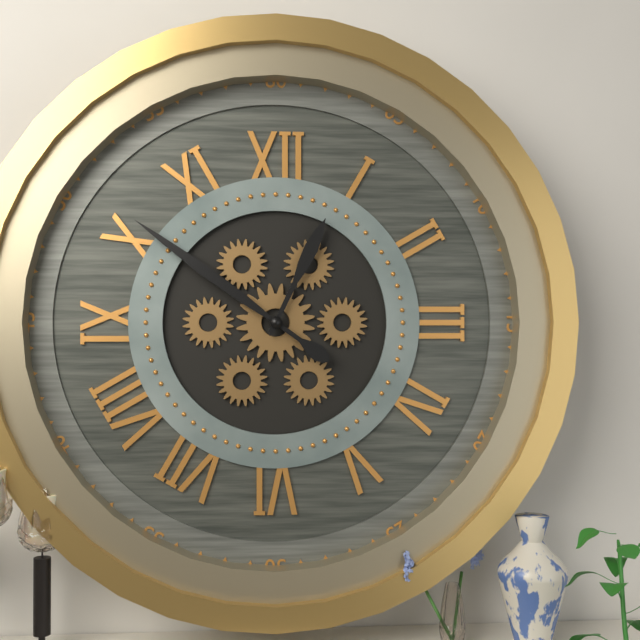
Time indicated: 12:51
